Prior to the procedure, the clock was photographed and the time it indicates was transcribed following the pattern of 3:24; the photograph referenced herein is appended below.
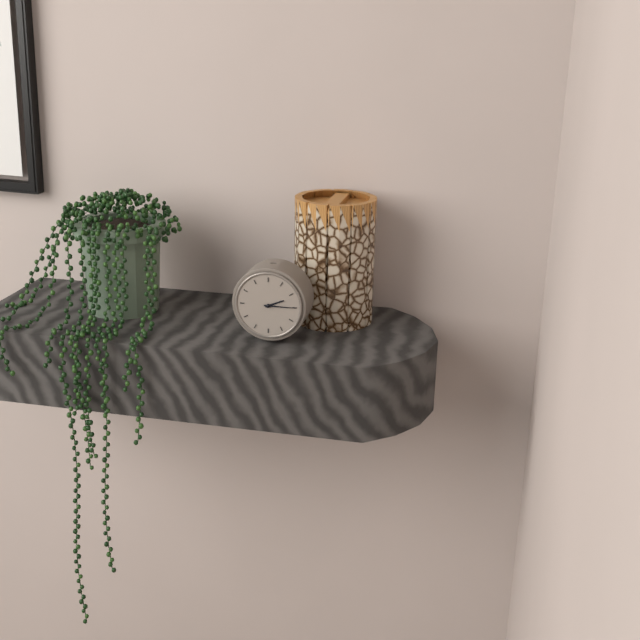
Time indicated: 2:15
